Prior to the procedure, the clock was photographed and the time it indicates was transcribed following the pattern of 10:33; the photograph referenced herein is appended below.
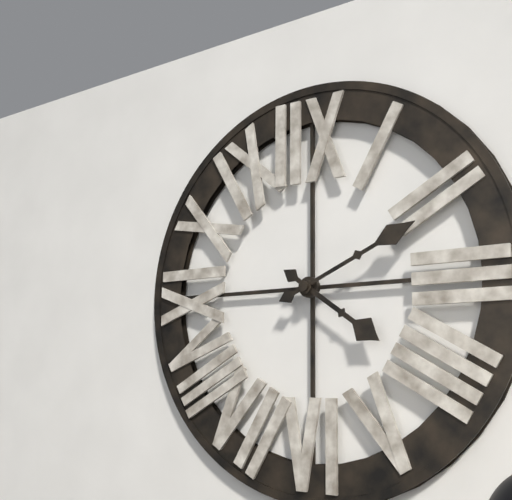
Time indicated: 4:11
